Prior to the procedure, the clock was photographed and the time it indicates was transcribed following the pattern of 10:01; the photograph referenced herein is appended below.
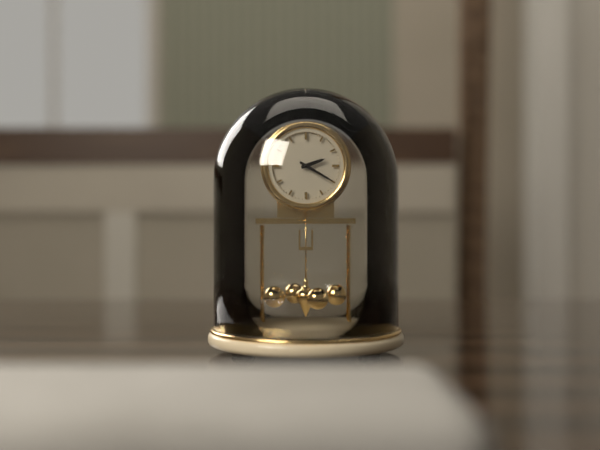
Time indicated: 2:20
